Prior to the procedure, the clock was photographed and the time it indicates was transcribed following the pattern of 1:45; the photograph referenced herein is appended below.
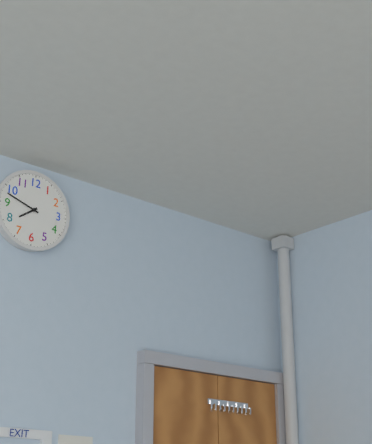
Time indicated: 7:48
